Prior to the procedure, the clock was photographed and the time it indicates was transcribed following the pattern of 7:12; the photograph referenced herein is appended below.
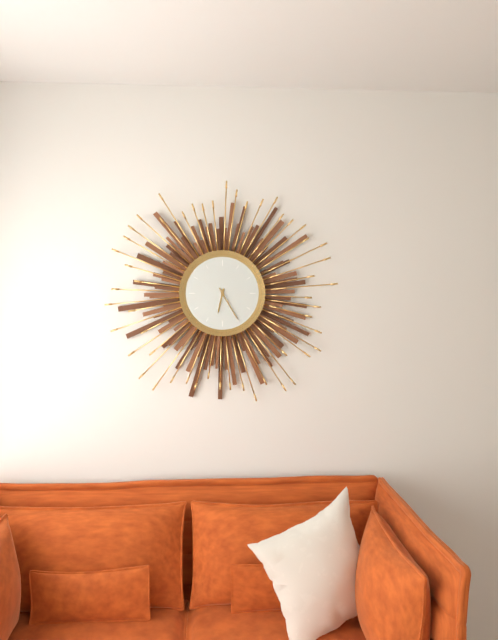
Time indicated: 6:25
